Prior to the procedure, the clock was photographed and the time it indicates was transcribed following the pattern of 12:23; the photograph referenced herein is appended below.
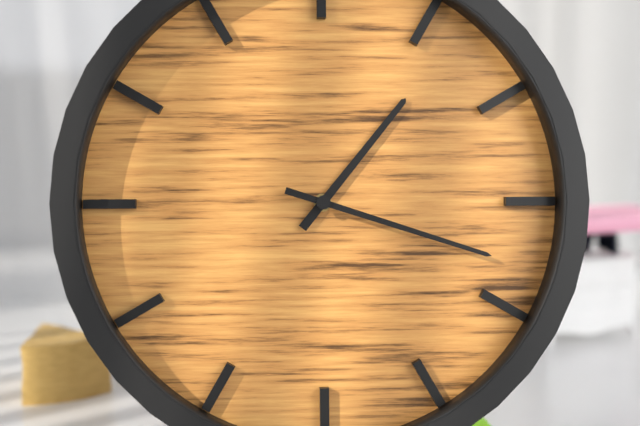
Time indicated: 1:18
